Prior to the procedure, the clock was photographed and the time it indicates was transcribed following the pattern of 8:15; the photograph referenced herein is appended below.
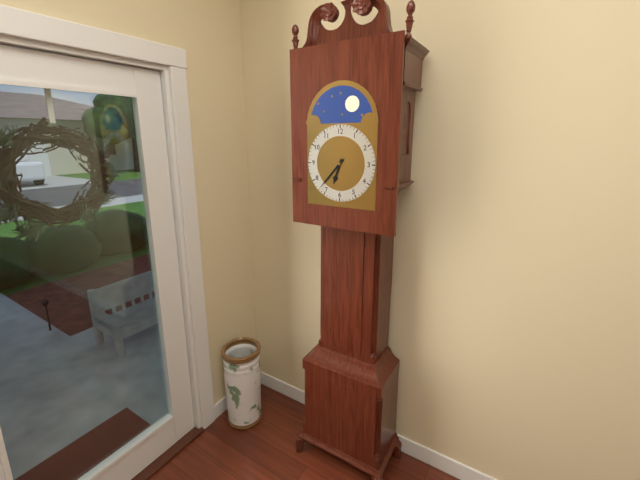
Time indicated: 6:37
